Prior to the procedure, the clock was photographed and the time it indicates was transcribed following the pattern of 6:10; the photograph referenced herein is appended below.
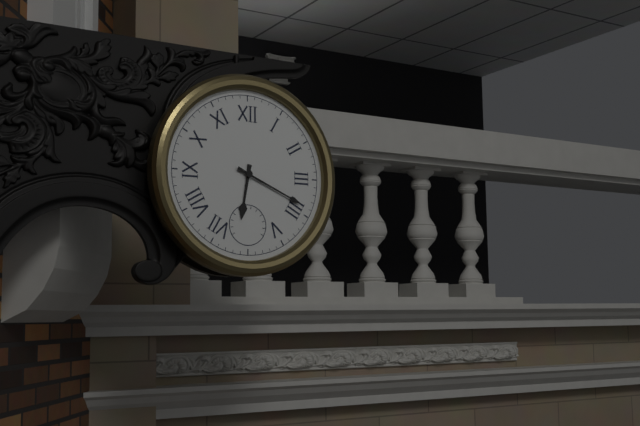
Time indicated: 6:19
